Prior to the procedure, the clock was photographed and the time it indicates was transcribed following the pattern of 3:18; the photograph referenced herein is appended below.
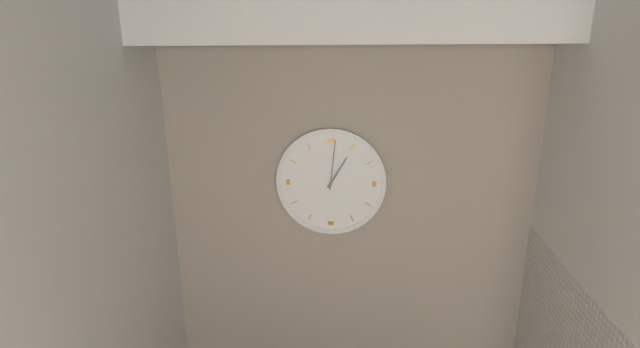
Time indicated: 1:01
